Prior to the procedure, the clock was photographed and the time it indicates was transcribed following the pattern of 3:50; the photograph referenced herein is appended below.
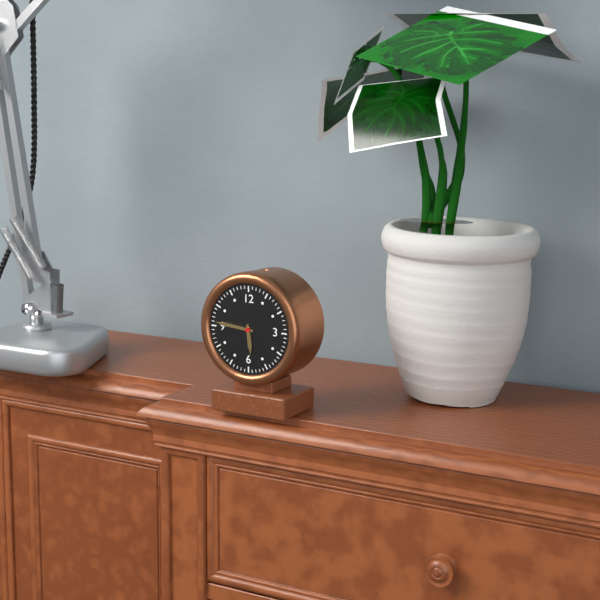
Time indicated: 5:46
